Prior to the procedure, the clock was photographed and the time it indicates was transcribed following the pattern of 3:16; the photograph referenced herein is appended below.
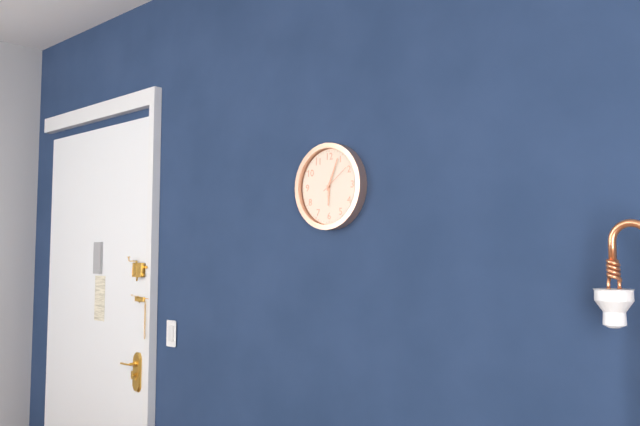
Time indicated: 6:04
